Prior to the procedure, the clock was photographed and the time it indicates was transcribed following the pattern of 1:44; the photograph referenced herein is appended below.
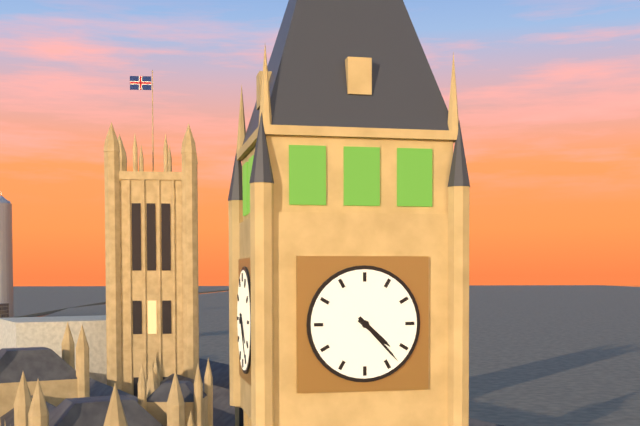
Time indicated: 4:23
